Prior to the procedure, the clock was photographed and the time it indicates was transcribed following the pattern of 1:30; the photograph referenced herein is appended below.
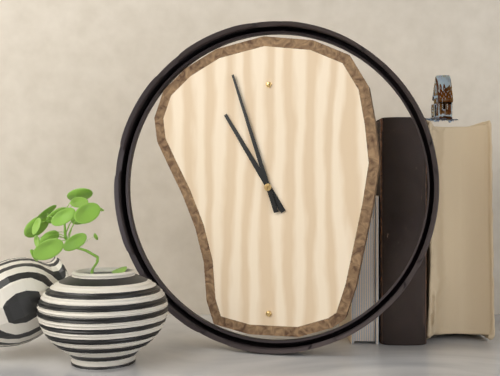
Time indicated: 10:57
